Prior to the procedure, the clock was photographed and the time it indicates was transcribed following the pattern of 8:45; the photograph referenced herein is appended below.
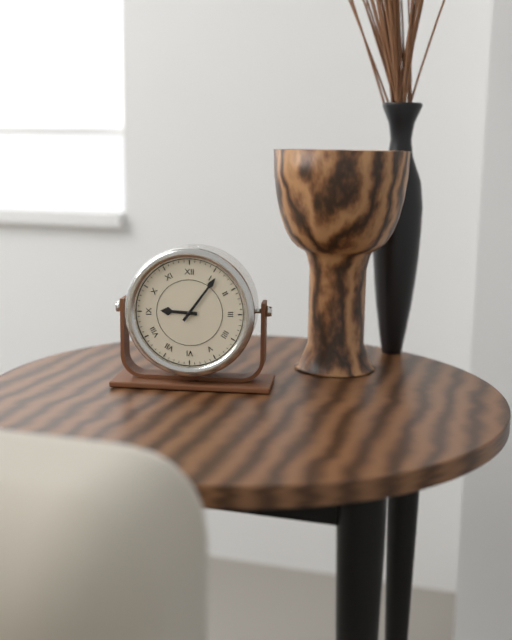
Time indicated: 9:06
